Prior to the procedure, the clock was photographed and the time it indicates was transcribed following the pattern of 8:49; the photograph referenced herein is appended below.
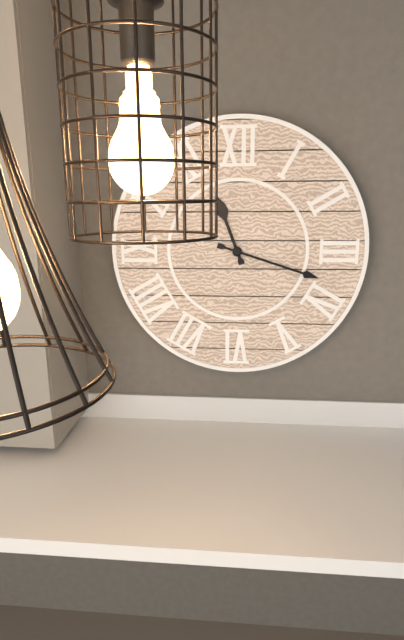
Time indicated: 11:18
